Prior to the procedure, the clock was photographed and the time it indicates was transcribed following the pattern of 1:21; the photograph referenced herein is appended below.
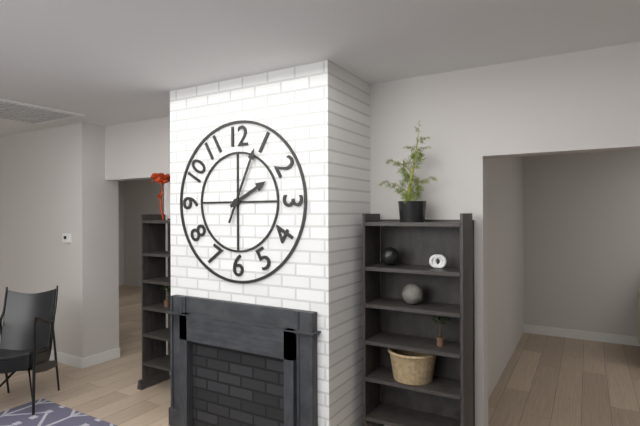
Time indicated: 2:04
